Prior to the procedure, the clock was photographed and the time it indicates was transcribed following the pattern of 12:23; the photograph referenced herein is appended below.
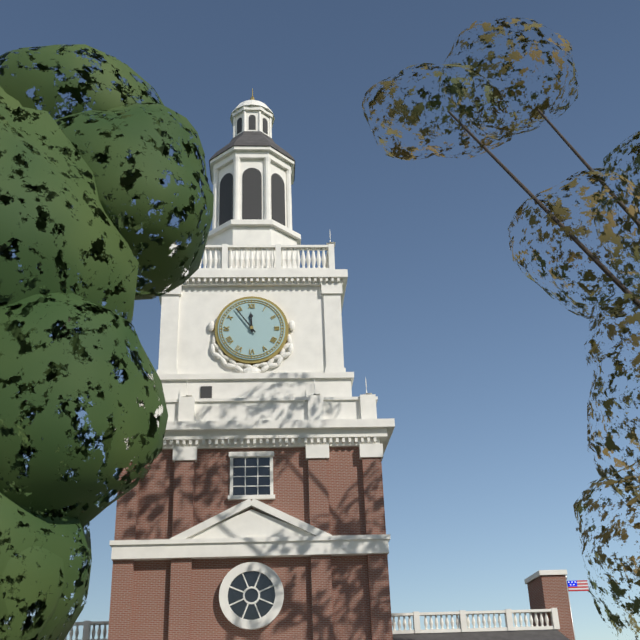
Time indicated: 11:54
